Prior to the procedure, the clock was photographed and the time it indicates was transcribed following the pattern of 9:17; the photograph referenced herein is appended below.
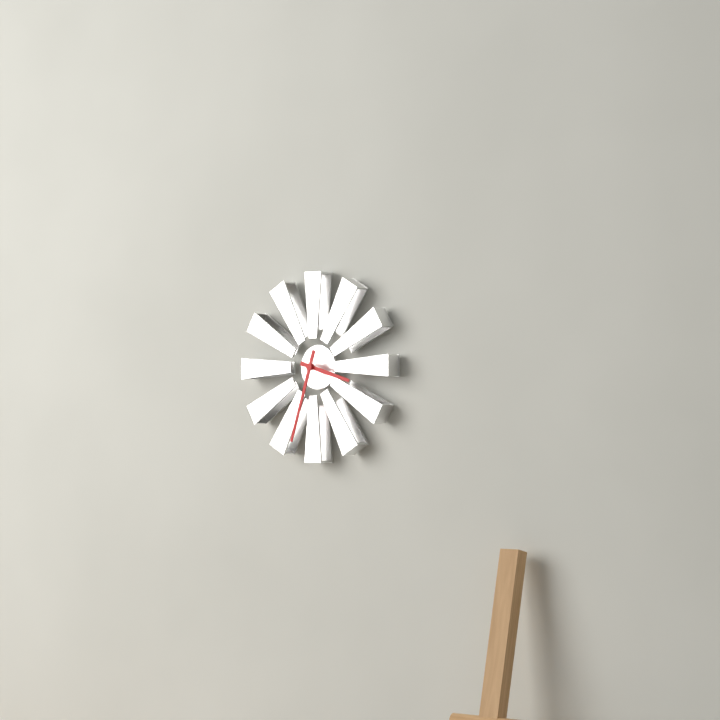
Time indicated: 3:33
